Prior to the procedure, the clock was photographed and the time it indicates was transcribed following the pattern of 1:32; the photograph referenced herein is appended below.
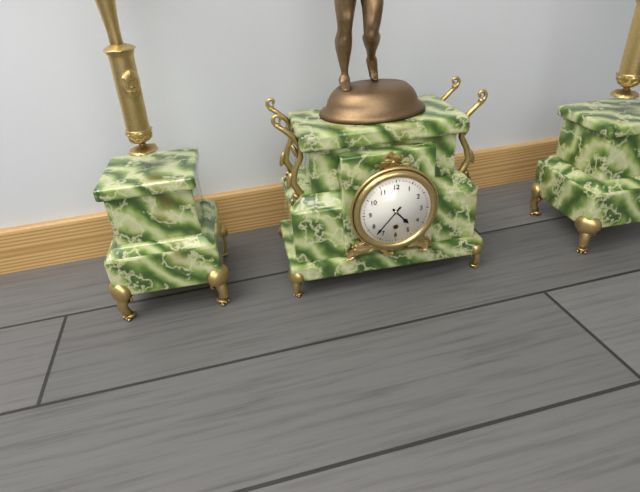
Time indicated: 4:37
